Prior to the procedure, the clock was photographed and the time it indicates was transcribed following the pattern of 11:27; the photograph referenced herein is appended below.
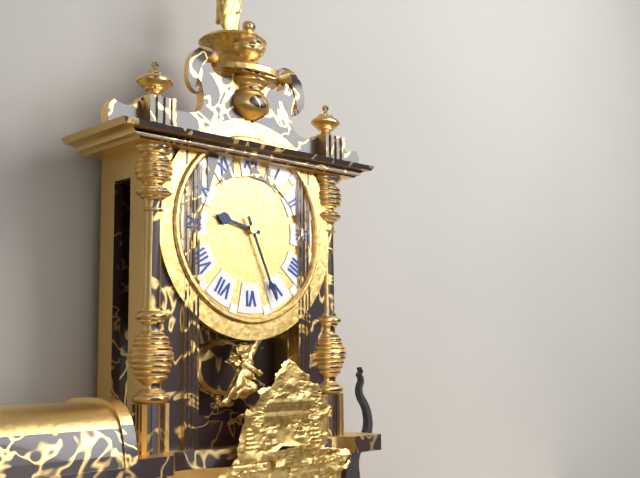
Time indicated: 9:26
